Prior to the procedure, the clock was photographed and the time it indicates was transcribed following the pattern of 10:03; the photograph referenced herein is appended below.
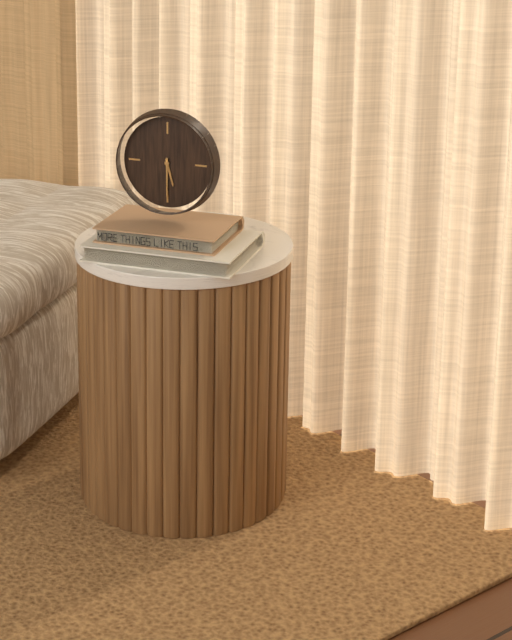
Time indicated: 5:30
